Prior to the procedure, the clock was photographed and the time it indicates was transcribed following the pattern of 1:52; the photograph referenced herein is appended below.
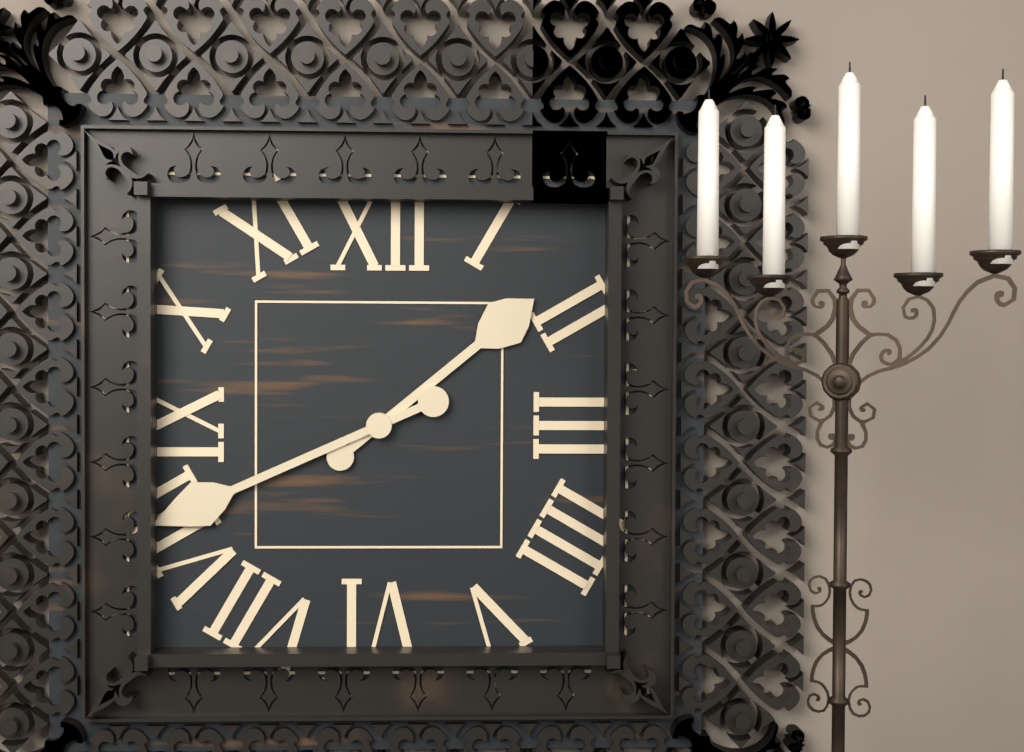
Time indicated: 1:41
